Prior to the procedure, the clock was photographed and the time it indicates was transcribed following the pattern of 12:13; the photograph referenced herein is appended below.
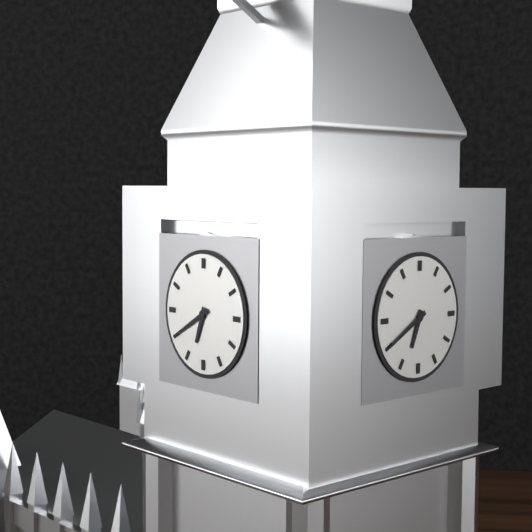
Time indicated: 6:40
